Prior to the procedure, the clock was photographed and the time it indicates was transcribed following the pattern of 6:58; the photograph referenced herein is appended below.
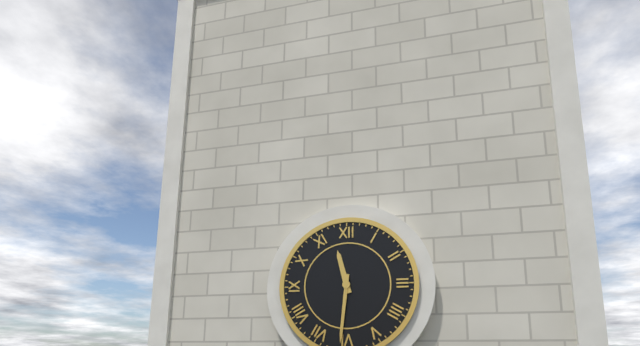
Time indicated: 11:31
